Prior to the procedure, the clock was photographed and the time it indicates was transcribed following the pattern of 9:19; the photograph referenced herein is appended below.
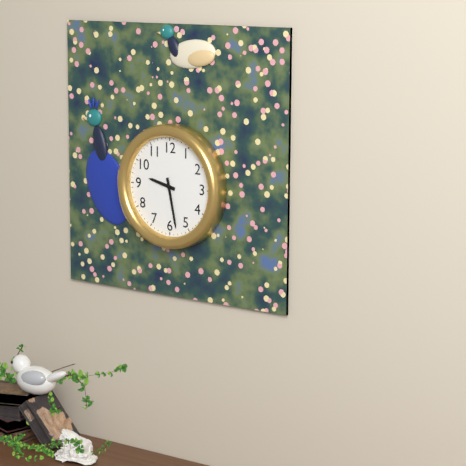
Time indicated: 9:28
